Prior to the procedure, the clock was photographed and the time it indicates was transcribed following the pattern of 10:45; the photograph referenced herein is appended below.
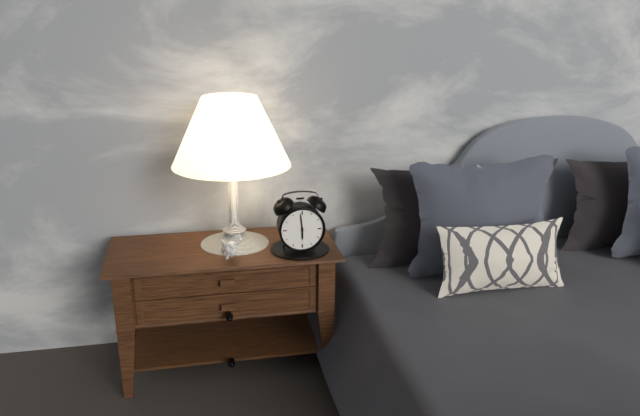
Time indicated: 5:59
